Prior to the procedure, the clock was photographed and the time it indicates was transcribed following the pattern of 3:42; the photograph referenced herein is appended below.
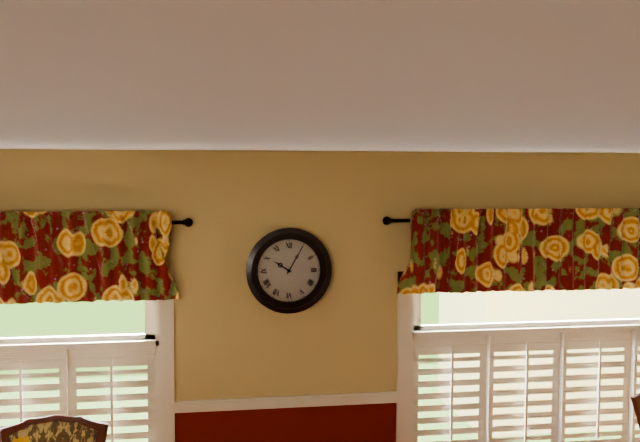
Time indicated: 10:05
